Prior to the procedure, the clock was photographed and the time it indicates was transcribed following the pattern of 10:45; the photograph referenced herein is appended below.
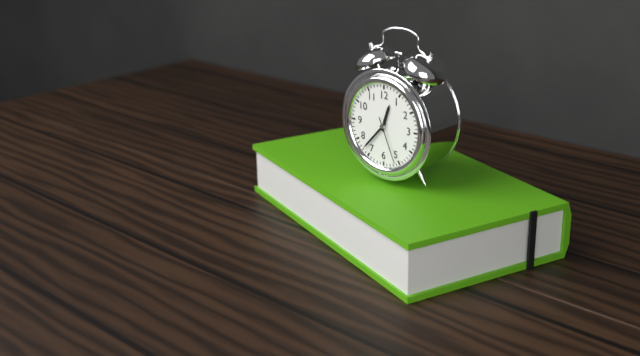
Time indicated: 12:37
